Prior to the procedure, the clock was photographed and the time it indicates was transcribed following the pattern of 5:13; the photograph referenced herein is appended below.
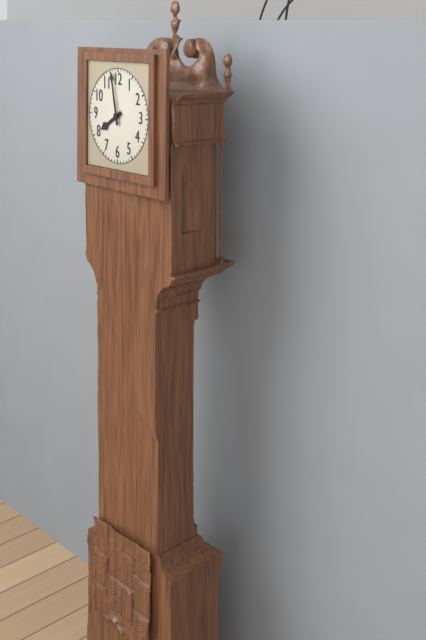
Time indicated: 7:58
